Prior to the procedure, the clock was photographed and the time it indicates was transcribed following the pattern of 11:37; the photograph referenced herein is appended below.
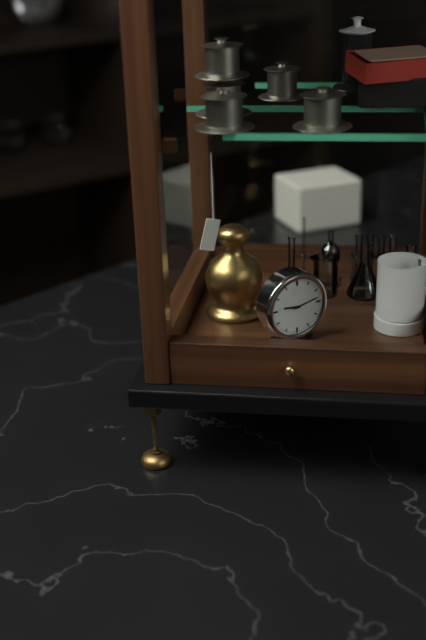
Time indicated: 9:13
